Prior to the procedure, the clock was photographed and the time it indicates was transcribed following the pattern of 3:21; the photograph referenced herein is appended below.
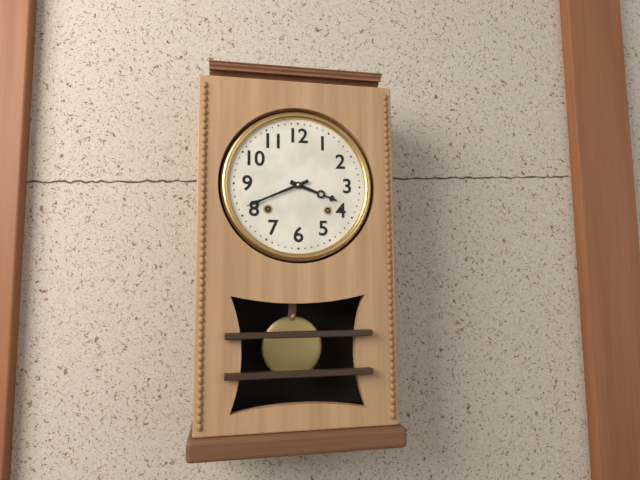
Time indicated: 3:41
